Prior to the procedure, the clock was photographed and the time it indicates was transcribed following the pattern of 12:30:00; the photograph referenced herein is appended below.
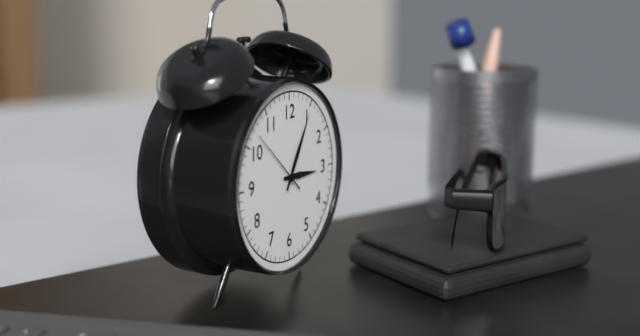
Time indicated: 3:05:52
